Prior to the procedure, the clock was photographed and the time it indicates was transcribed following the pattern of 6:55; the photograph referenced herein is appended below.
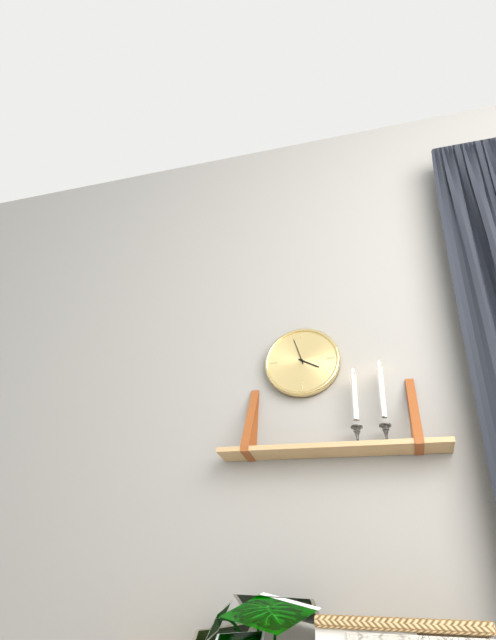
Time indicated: 3:57
